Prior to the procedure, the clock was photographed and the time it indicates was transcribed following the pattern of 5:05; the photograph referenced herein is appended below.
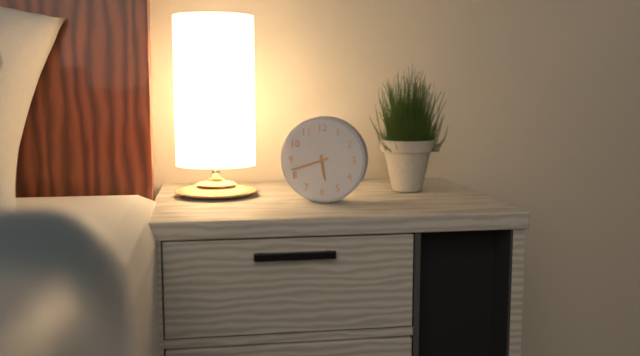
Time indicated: 5:42
